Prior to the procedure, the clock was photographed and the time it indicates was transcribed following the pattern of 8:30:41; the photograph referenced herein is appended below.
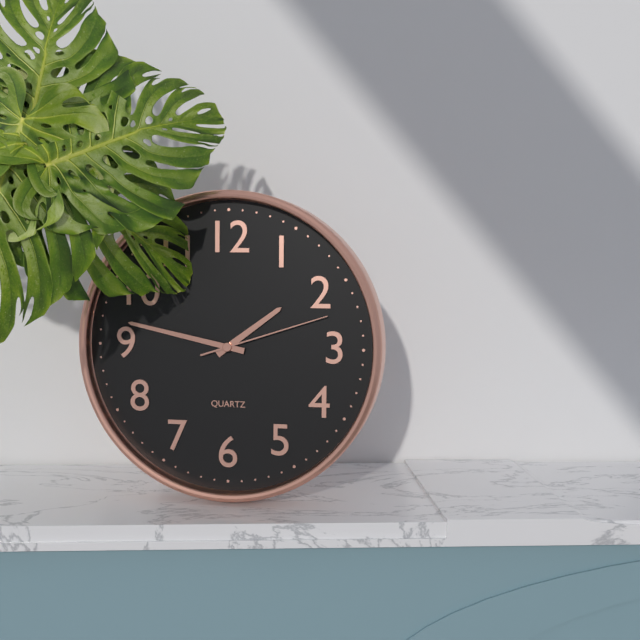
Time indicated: 1:47:12
